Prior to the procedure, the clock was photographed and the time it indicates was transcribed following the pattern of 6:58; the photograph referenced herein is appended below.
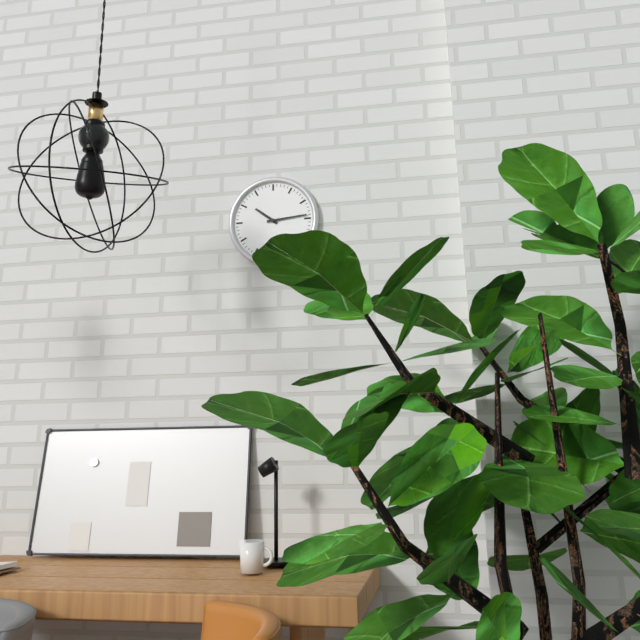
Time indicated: 10:14
